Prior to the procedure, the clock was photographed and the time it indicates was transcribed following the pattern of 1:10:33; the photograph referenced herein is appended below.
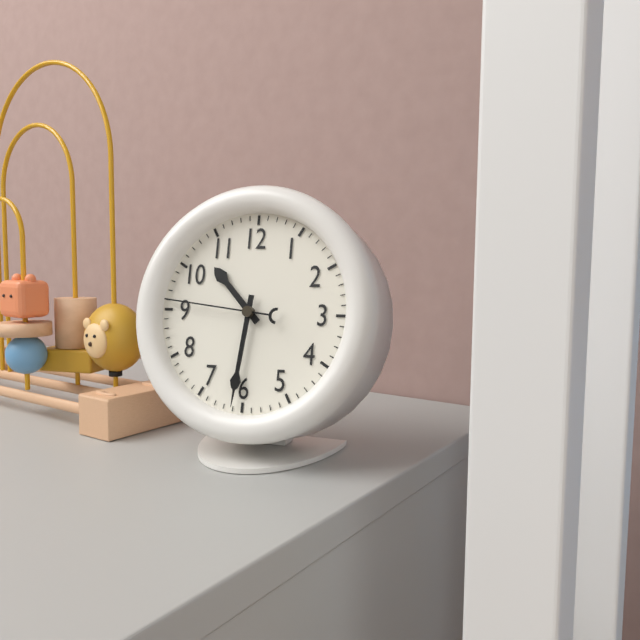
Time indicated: 10:31:46
